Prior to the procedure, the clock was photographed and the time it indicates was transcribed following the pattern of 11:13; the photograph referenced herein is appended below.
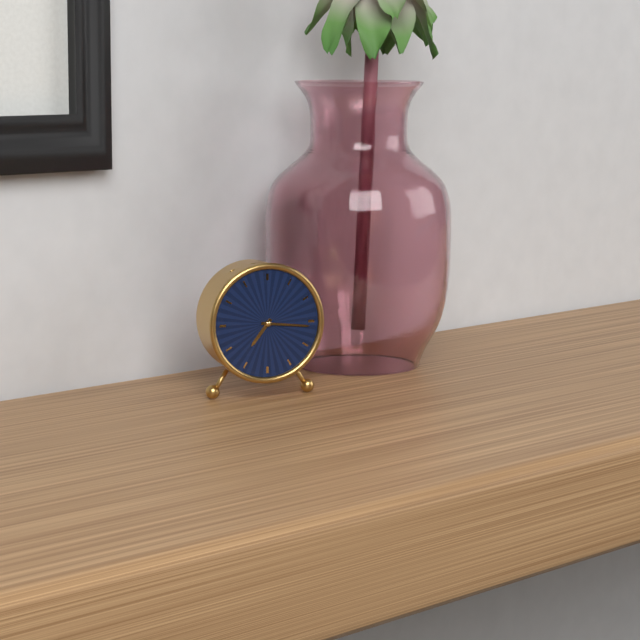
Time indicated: 7:16
